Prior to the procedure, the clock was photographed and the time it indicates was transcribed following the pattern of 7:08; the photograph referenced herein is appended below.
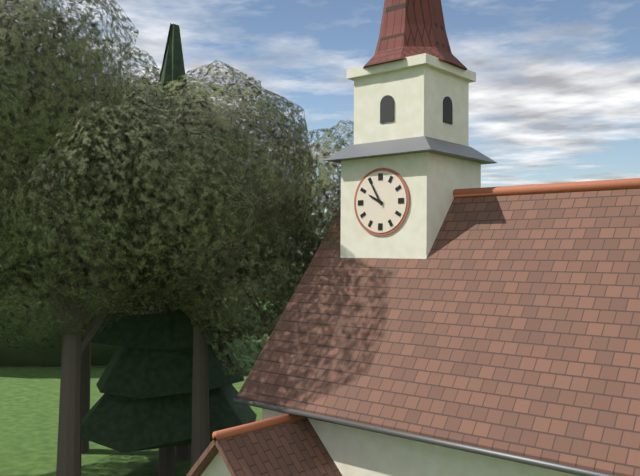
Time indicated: 9:55
